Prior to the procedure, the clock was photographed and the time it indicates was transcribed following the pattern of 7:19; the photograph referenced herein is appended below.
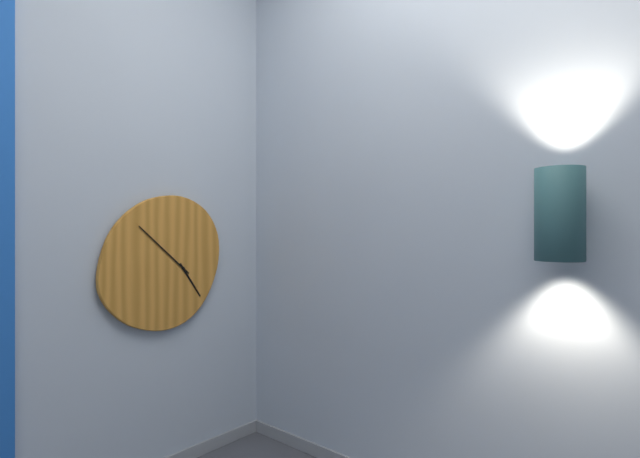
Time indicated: 4:52
